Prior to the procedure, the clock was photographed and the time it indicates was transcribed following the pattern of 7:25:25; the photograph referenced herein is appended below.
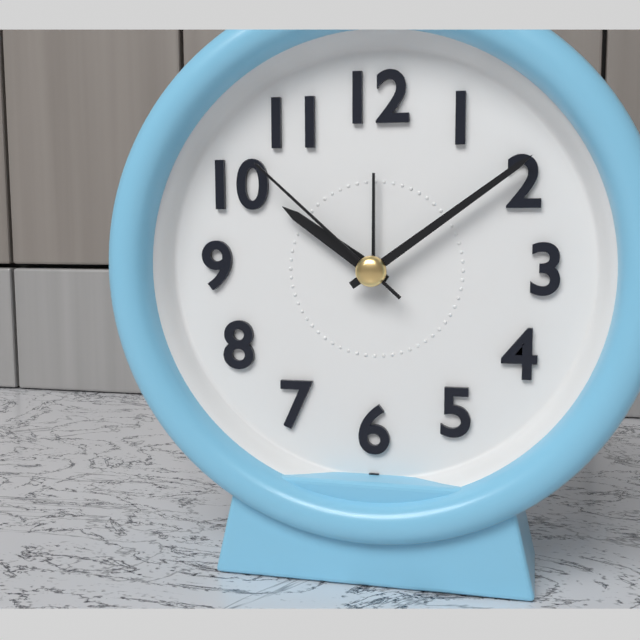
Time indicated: 10:09:52
